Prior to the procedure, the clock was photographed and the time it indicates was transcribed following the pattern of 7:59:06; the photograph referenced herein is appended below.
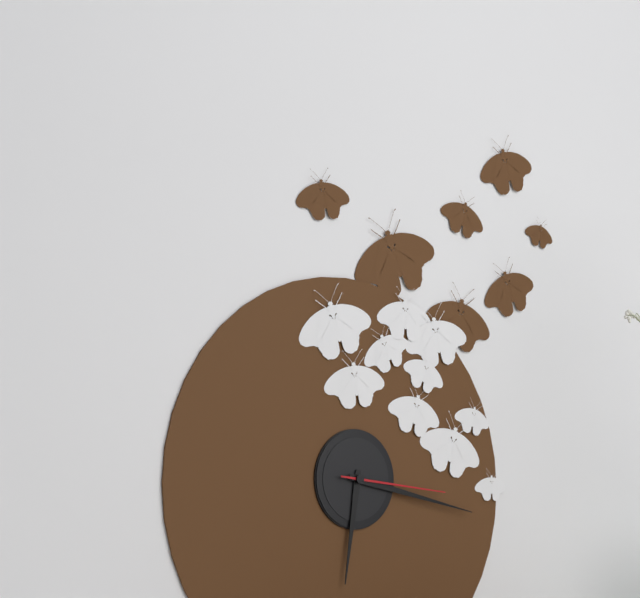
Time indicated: 6:17:16
